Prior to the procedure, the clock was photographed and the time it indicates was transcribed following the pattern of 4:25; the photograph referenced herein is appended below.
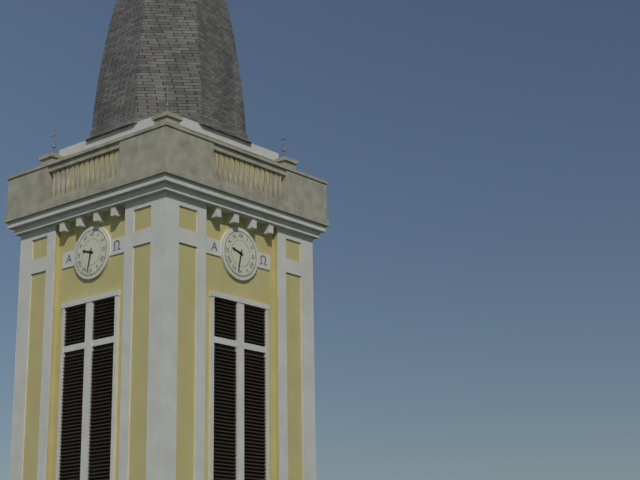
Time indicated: 9:32
